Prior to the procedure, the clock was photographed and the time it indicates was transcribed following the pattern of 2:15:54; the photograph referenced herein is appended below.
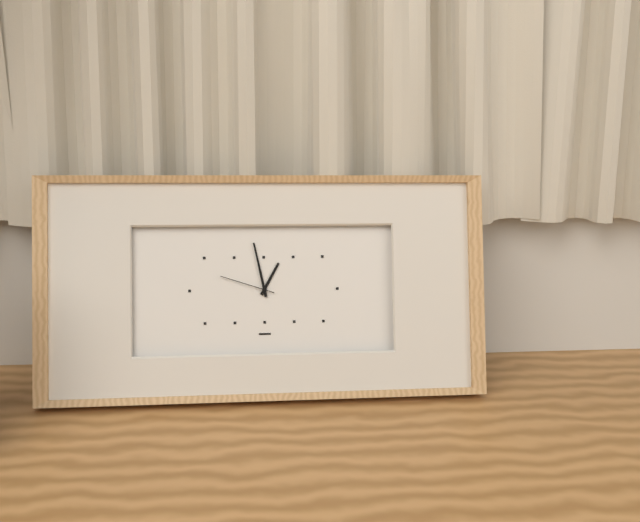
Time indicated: 12:58:48
